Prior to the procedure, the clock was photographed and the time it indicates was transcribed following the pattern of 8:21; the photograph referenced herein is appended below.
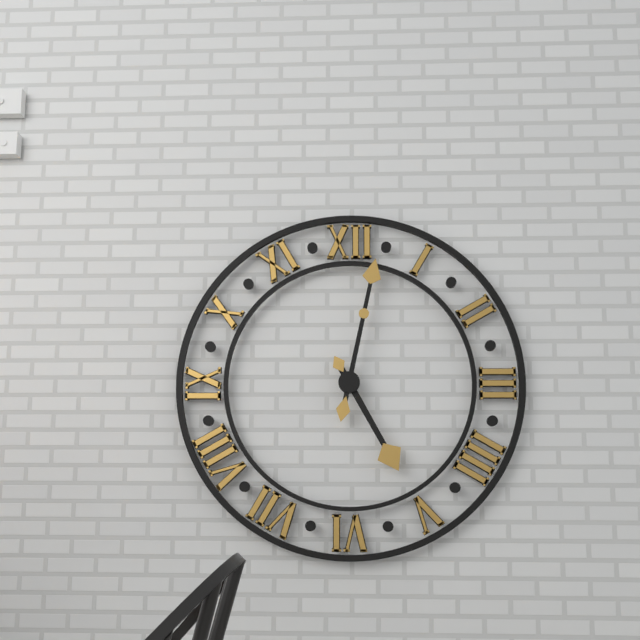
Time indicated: 5:02
